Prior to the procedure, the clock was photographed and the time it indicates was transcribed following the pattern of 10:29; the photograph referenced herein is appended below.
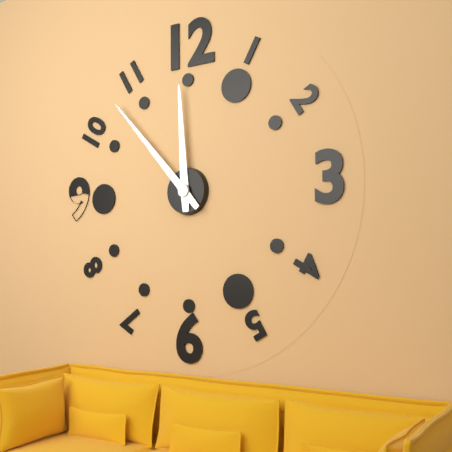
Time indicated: 11:53
